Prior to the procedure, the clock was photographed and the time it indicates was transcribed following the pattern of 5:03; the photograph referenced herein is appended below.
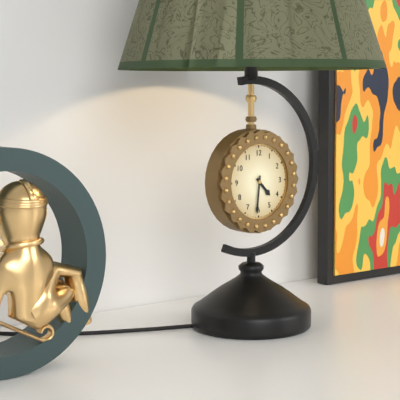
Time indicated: 4:31
